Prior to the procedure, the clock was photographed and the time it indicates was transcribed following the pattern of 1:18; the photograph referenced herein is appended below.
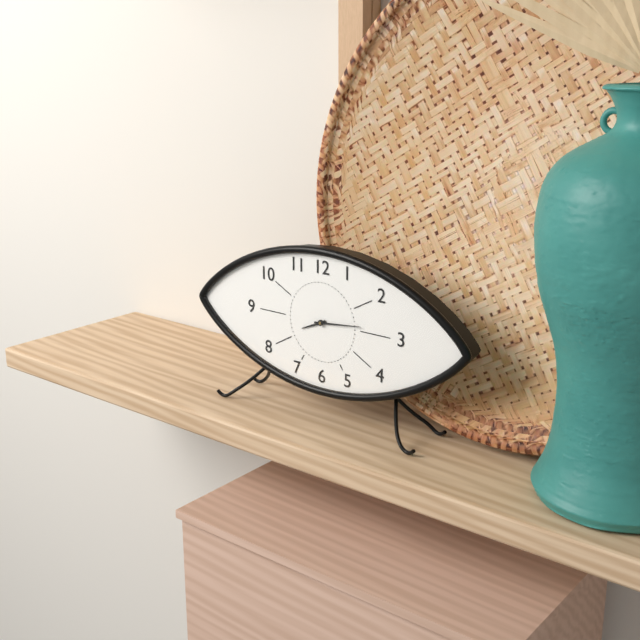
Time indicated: 8:14
